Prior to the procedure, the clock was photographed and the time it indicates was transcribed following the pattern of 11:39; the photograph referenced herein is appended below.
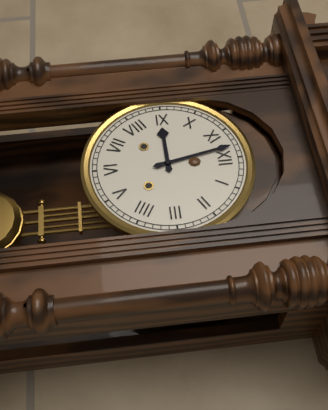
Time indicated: 8:58
